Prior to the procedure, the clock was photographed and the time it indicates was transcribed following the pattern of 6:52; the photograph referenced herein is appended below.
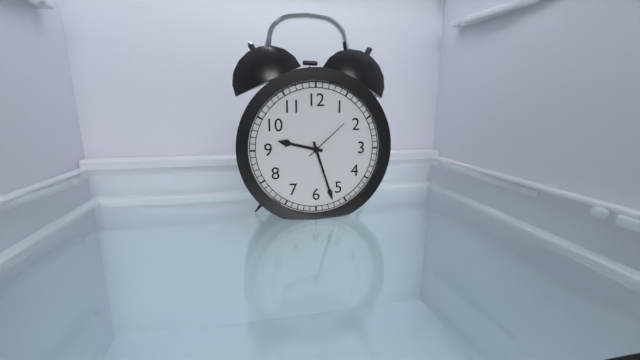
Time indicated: 9:27
